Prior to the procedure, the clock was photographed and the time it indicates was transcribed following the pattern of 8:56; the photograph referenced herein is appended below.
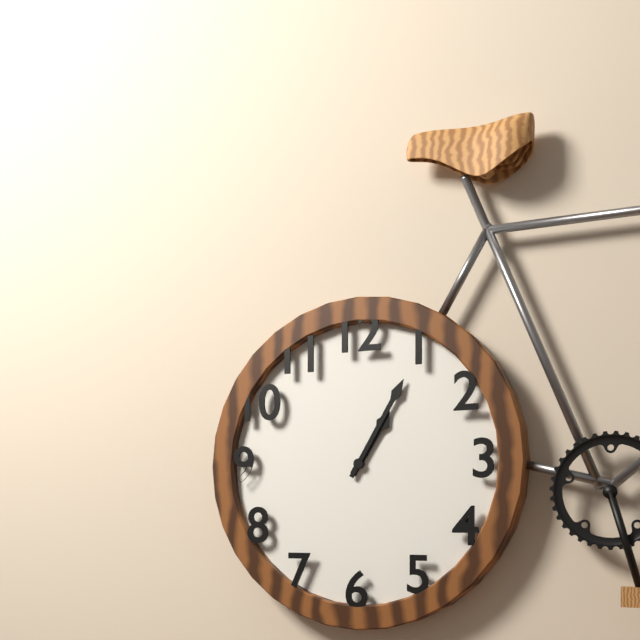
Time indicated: 1:05
